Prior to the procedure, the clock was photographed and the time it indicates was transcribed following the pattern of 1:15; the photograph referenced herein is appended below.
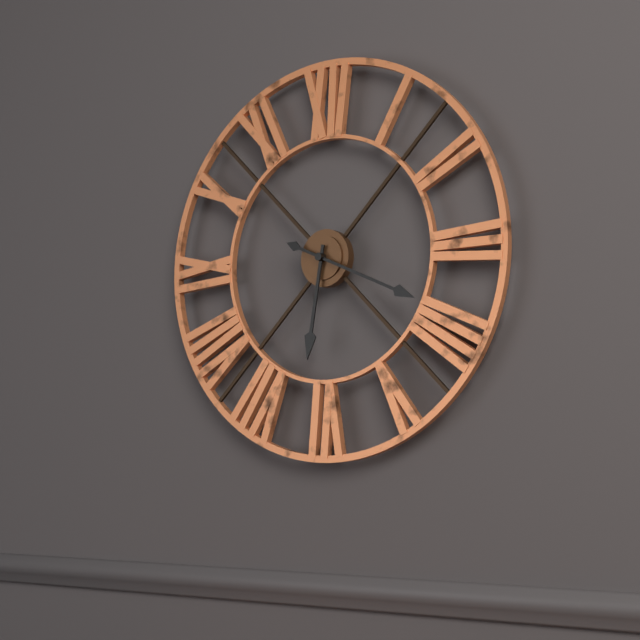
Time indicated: 6:19
